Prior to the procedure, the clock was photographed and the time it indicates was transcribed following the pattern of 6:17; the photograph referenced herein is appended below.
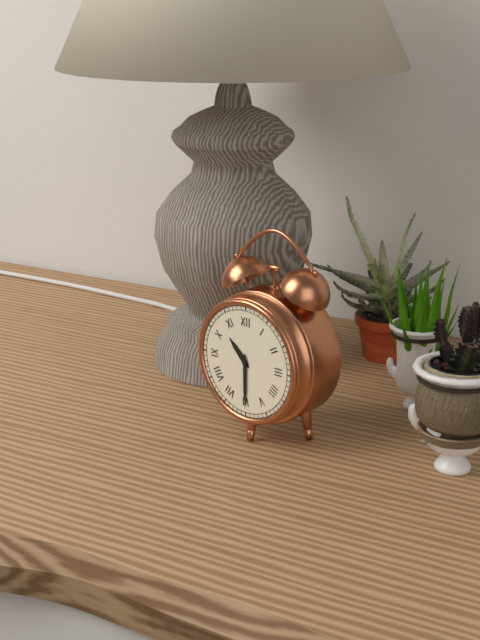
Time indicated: 10:30
